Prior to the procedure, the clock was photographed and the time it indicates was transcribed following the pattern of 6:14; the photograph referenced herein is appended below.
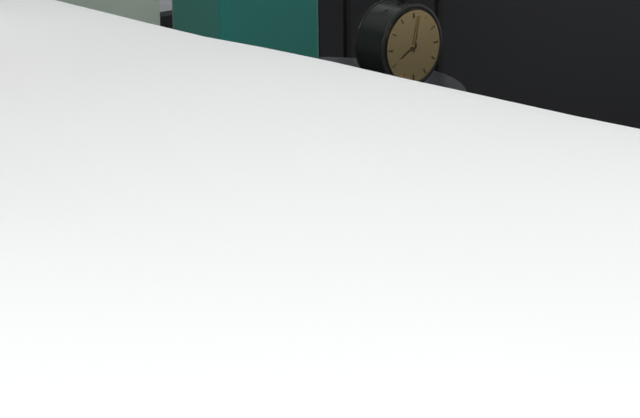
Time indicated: 8:02
